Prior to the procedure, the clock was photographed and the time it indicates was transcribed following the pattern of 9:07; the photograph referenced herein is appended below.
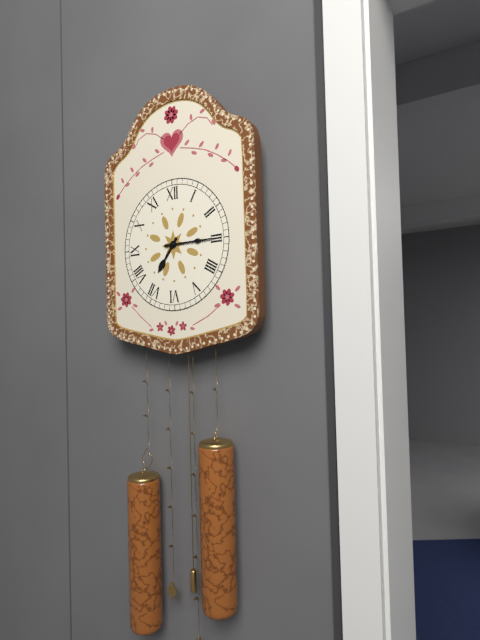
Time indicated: 7:15
